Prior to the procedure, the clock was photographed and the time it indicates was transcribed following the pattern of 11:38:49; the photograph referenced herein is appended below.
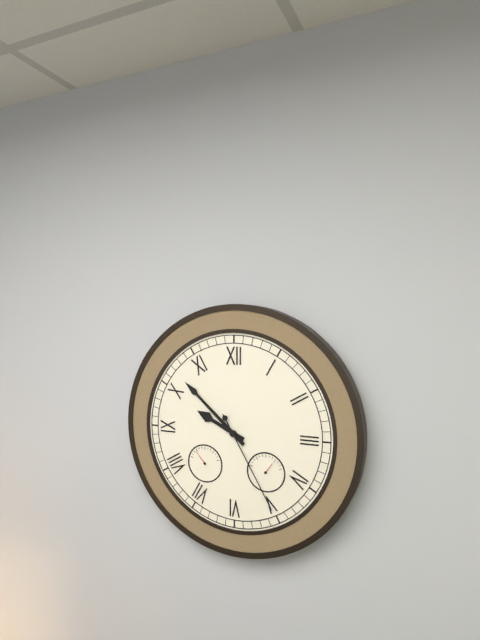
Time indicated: 9:52:25
